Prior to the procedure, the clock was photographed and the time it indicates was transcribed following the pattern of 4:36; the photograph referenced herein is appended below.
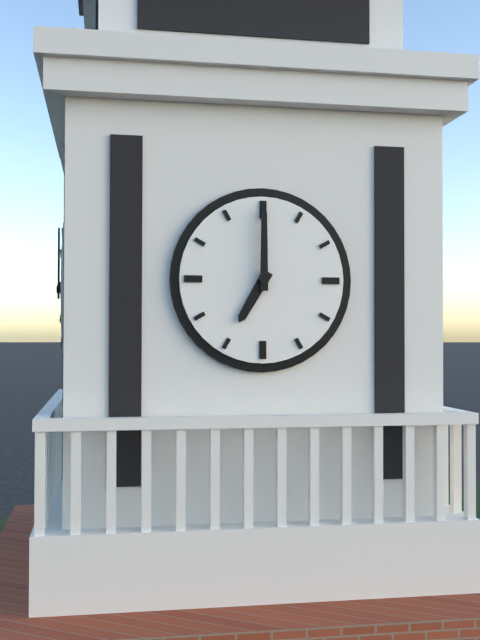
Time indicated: 7:00
